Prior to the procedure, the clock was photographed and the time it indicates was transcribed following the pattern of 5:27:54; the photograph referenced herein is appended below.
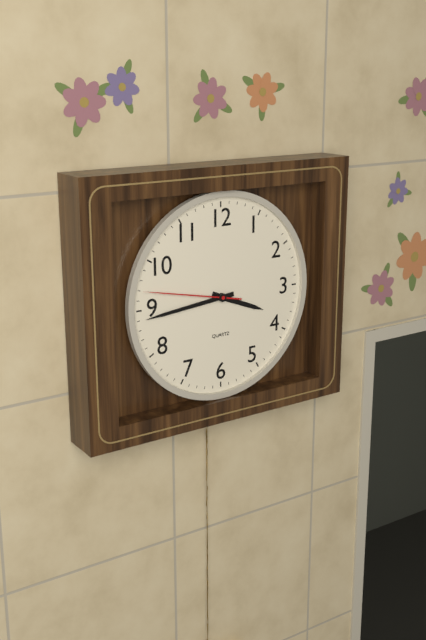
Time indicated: 3:44:47
